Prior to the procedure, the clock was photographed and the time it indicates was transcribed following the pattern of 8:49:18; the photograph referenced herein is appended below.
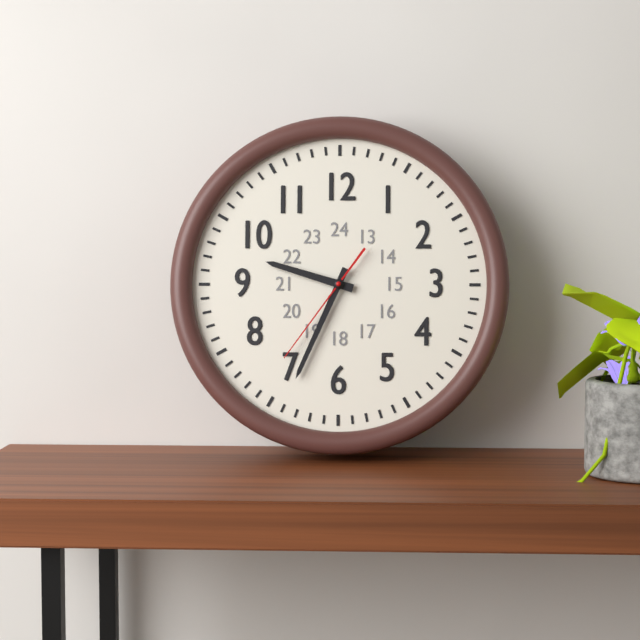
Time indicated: 9:34:36
